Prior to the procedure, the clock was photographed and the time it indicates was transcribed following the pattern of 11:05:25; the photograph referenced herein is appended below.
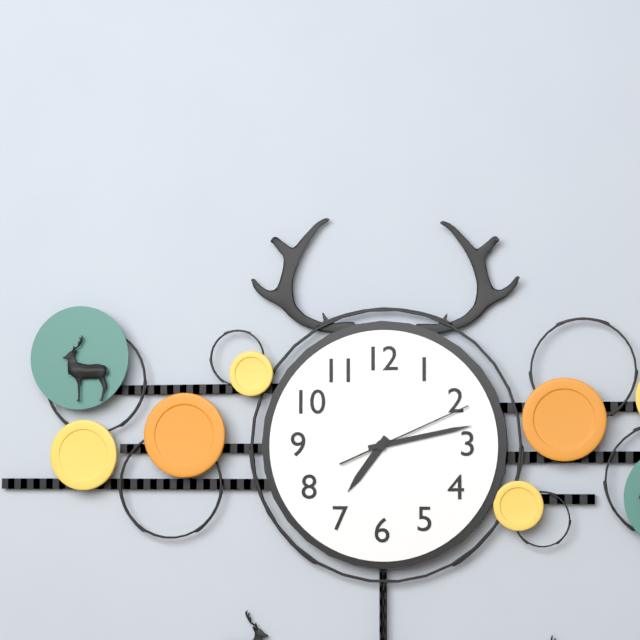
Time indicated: 7:13:11
